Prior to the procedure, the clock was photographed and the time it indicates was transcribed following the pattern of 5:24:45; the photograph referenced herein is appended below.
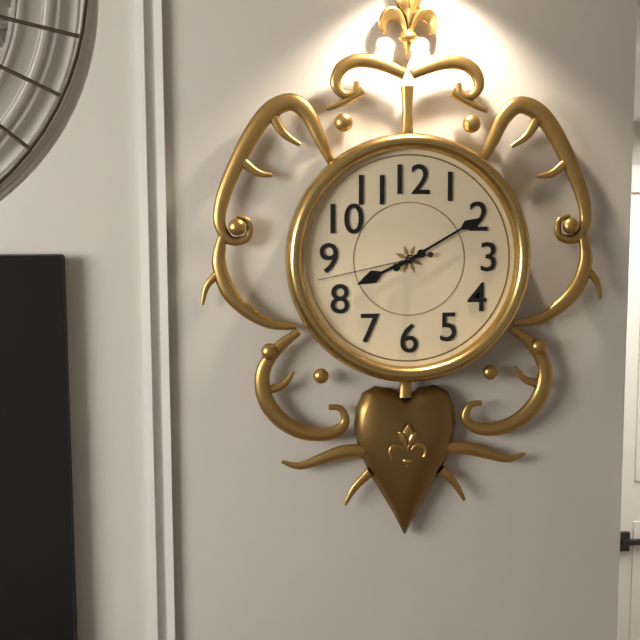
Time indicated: 8:10:43
